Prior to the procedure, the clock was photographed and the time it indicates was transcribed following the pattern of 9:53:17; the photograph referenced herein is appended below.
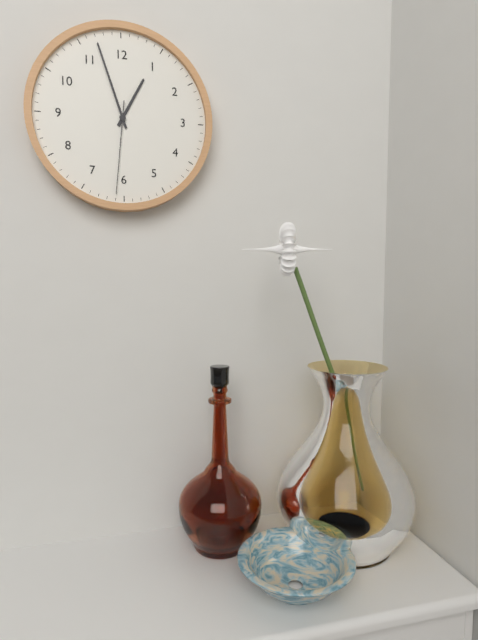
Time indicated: 12:57:31
